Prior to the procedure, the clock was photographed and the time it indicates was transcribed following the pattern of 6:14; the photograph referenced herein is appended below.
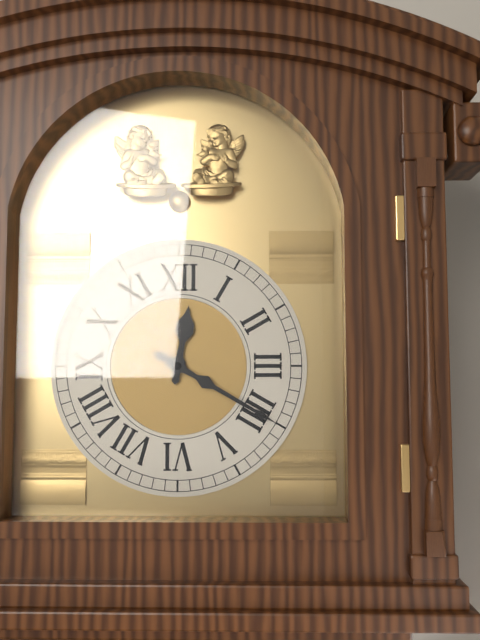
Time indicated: 12:20
